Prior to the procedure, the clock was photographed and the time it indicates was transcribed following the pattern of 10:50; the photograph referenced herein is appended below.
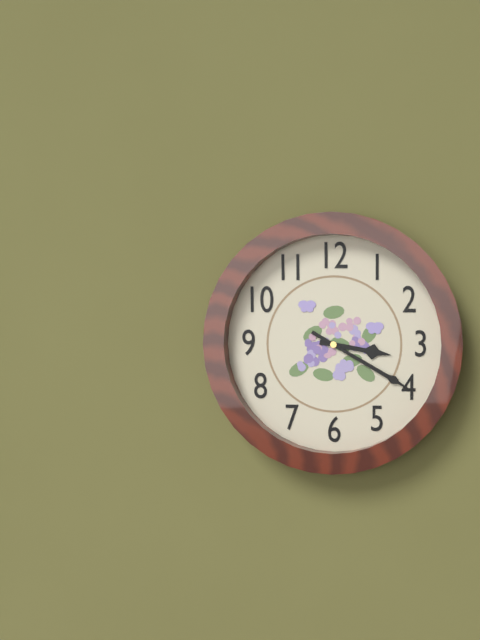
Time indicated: 3:20
